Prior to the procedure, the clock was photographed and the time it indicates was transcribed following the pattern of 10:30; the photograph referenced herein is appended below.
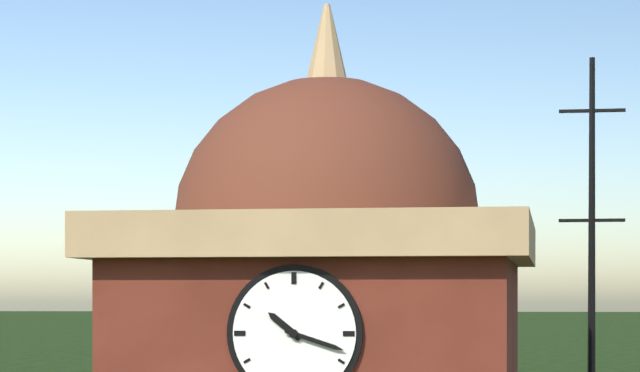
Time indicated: 10:18
